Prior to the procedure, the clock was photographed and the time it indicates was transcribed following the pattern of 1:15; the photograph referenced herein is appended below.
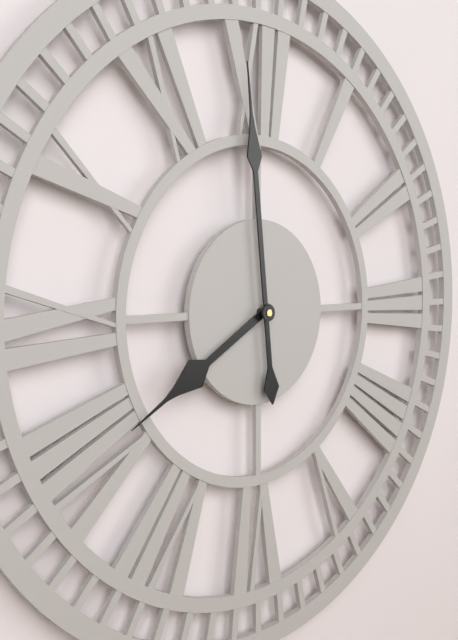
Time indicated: 7:59
